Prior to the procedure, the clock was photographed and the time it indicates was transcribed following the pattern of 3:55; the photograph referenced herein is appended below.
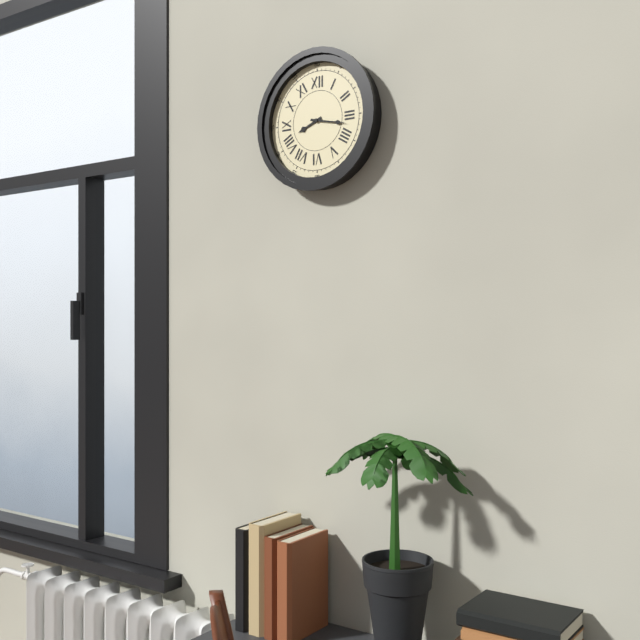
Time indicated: 8:17
